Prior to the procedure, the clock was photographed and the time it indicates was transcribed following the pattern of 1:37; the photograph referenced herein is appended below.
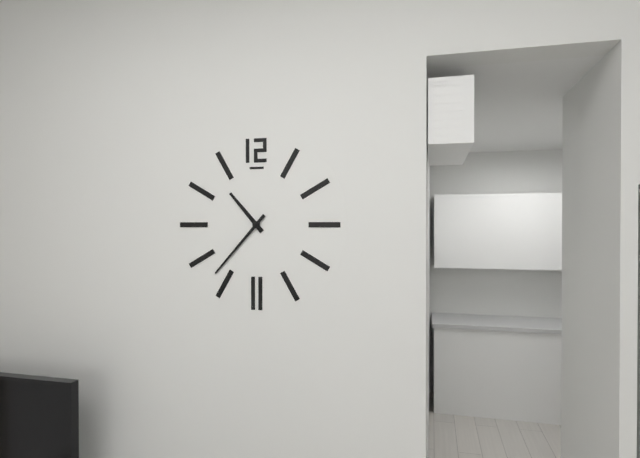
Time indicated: 10:37
